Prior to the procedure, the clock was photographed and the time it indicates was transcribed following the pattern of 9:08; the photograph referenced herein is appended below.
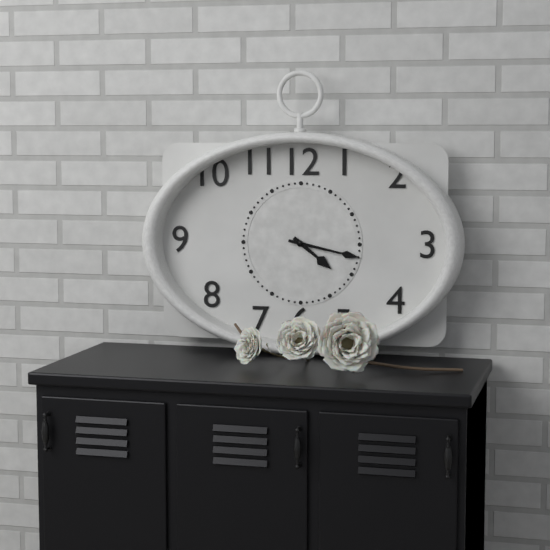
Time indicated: 4:17
